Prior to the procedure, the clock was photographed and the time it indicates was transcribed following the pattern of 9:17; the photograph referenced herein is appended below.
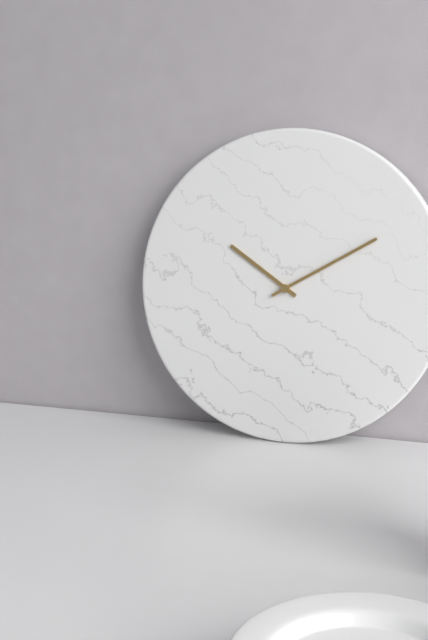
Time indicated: 10:10
